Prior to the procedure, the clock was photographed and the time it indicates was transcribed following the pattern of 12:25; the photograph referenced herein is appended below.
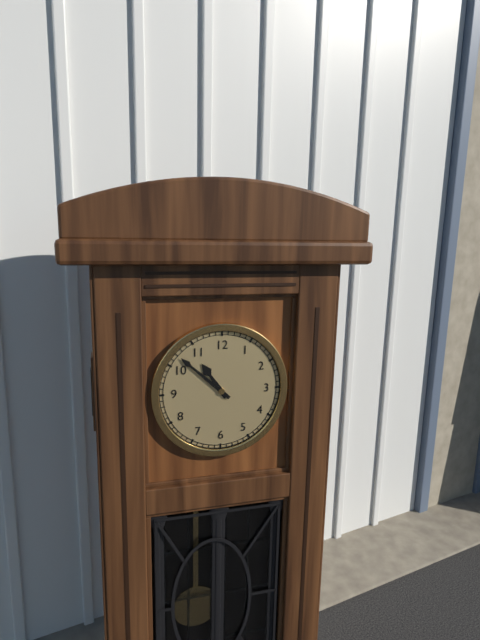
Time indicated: 10:52
